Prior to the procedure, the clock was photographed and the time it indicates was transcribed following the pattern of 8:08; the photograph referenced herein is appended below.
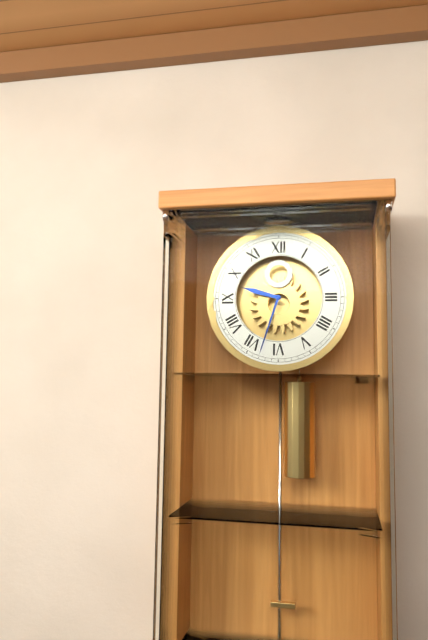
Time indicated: 9:33
